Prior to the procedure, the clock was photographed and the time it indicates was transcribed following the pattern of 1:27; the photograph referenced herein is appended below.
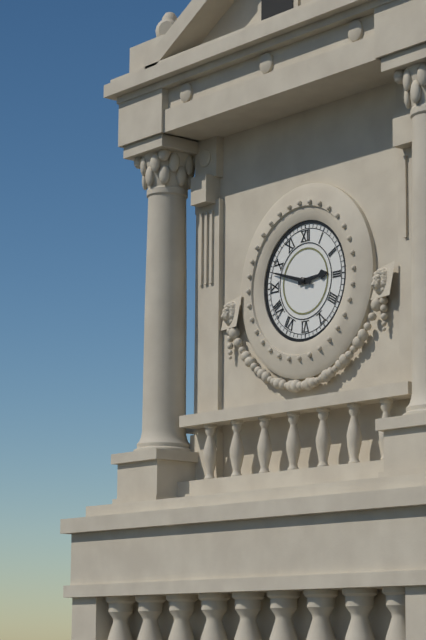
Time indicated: 2:48
